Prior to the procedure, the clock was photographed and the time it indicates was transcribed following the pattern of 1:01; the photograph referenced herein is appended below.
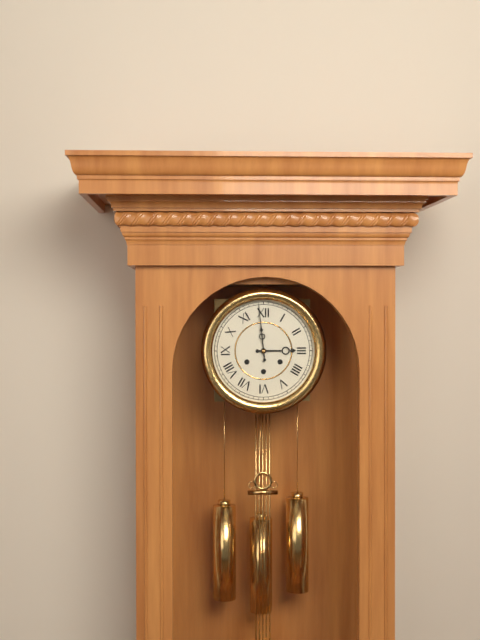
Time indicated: 2:59
